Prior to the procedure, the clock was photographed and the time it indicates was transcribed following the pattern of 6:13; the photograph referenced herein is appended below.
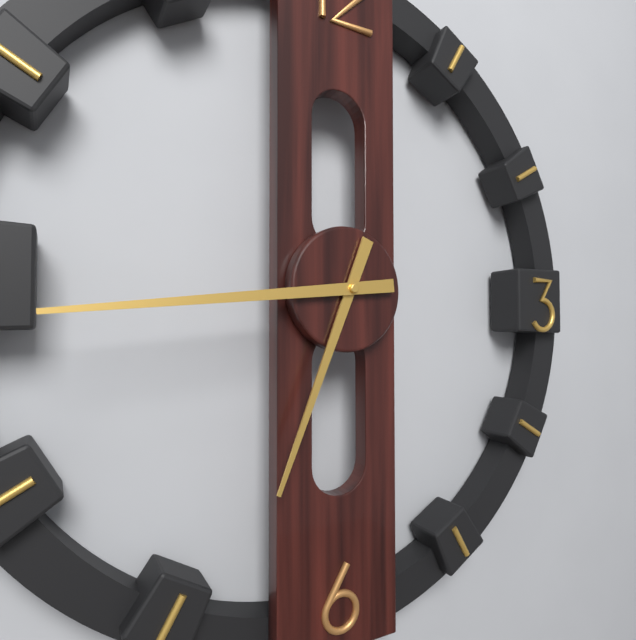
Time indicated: 6:44
